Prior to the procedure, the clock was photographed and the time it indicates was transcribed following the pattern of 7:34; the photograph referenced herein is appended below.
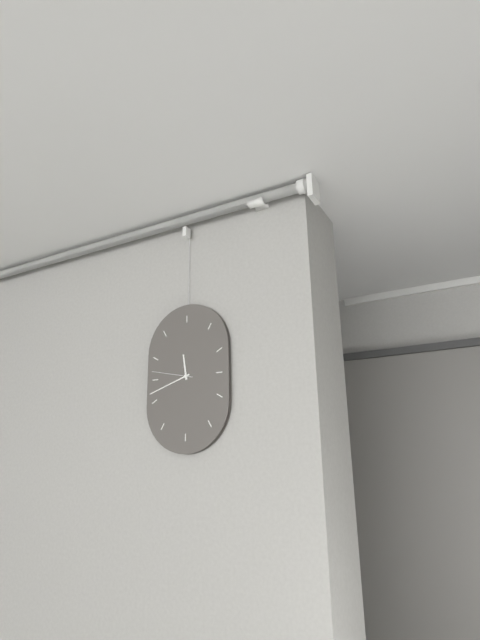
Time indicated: 11:42
